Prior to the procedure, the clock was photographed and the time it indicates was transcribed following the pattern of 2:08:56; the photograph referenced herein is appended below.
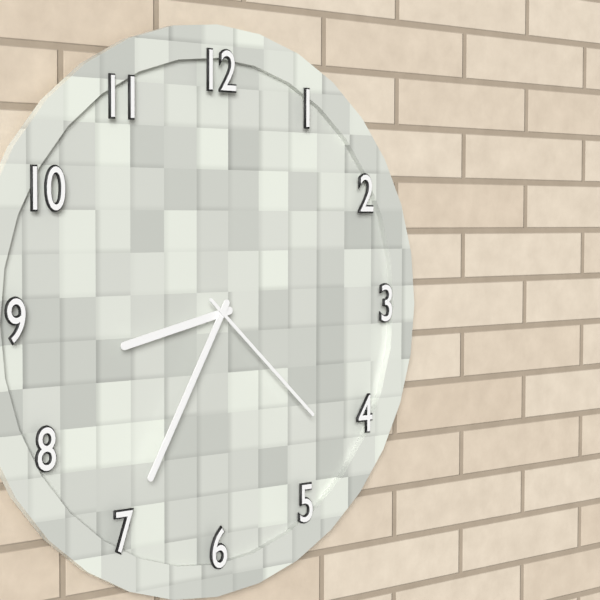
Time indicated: 8:35:22
